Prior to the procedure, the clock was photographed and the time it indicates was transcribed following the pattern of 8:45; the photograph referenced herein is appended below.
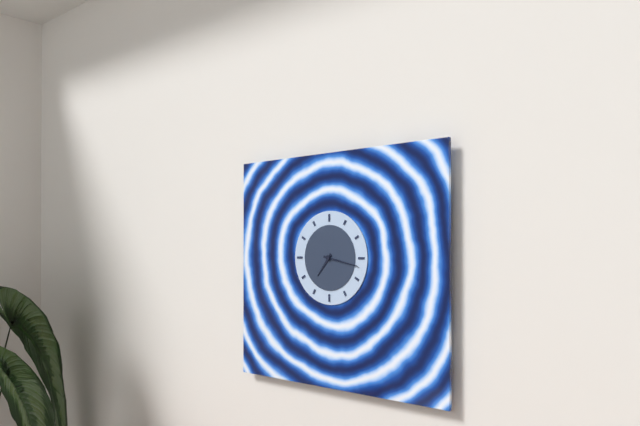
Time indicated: 7:17
